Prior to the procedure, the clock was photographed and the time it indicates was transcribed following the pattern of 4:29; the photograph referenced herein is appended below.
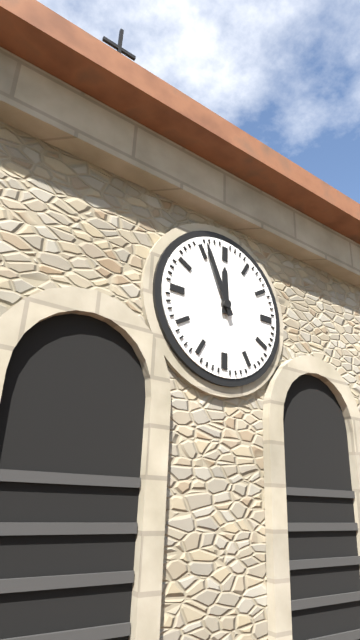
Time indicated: 11:56
